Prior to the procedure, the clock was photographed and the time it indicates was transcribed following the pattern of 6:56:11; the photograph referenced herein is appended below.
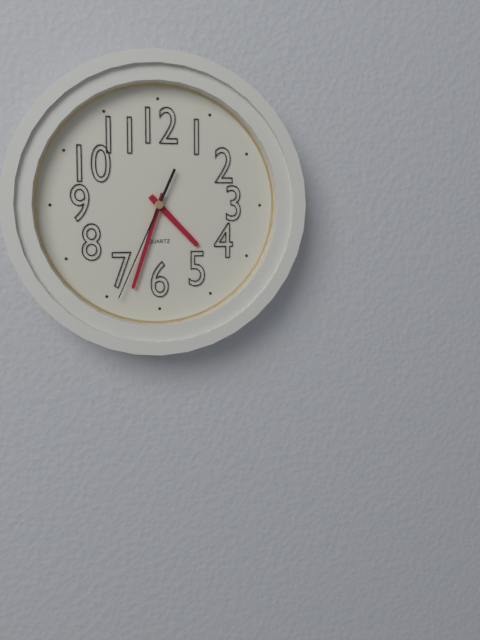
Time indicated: 4:33:34
